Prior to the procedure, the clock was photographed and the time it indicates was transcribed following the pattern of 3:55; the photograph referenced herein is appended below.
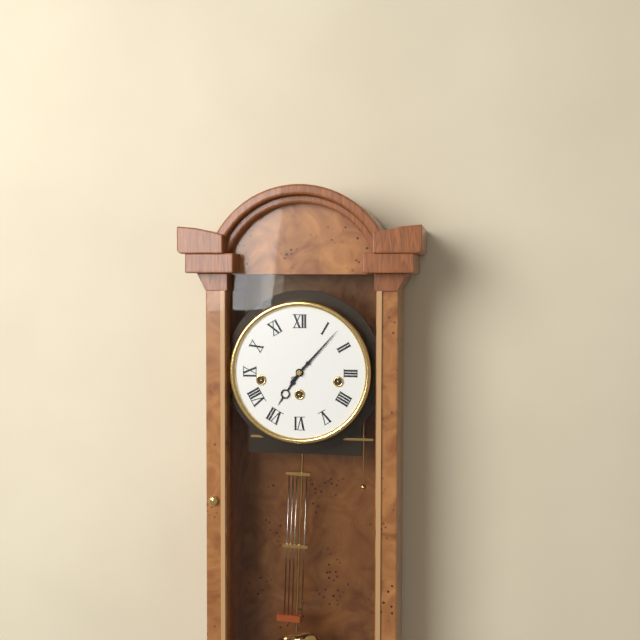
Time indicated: 7:07
